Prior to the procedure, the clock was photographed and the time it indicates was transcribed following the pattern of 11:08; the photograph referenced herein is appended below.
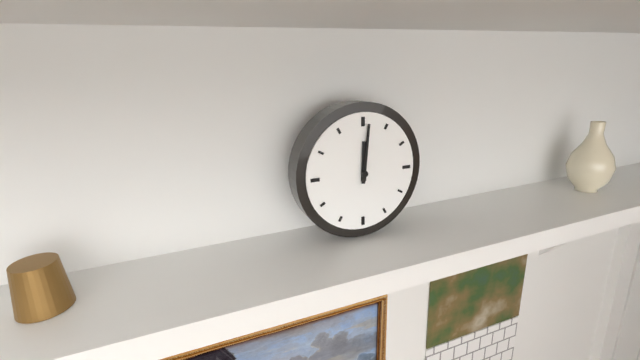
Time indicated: 12:01
